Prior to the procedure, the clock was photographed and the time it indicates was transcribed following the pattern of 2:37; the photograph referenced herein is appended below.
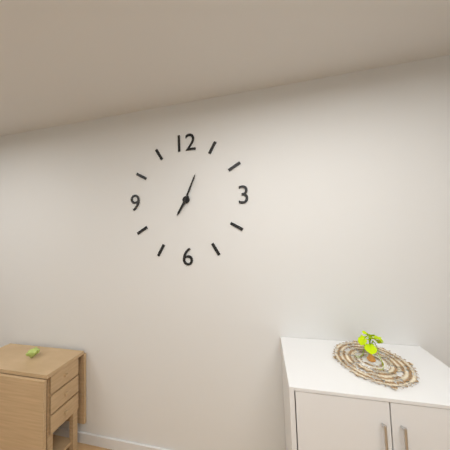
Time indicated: 7:04
